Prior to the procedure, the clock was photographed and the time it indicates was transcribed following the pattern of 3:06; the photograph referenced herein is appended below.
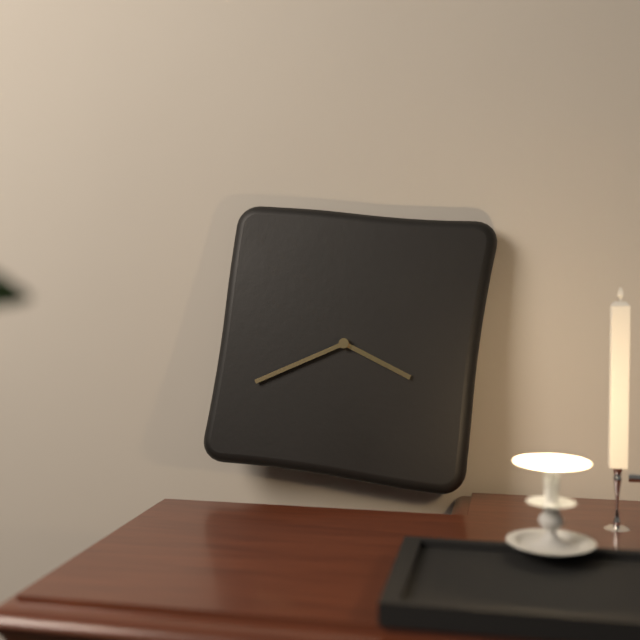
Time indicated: 3:40
